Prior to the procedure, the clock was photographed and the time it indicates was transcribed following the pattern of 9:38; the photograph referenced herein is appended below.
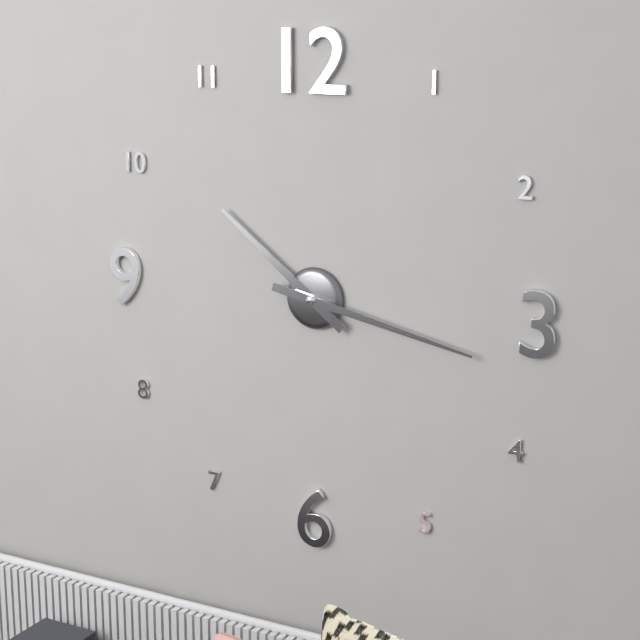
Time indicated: 10:17
